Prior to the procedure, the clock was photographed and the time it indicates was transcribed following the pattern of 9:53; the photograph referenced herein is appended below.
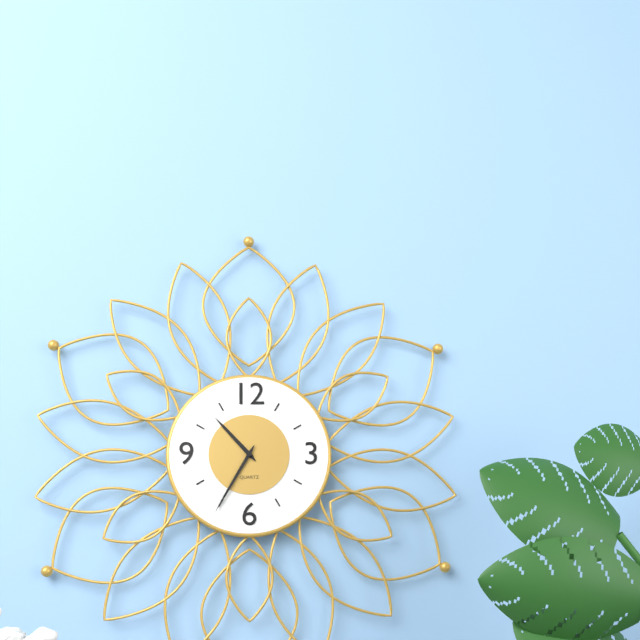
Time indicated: 10:35
